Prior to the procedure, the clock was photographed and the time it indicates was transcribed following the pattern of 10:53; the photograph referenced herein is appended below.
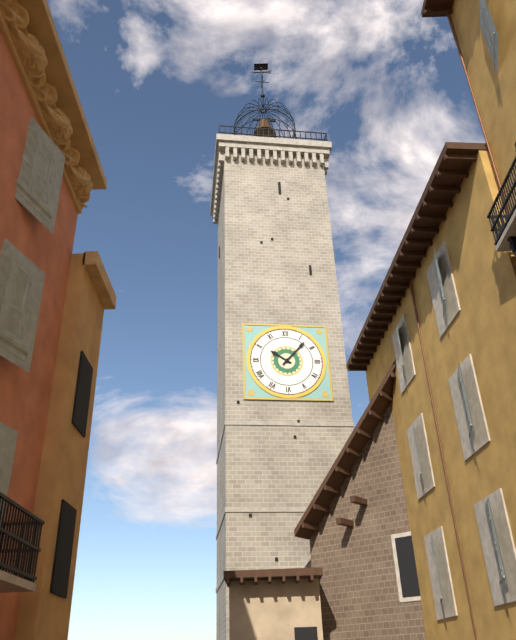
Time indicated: 10:07
